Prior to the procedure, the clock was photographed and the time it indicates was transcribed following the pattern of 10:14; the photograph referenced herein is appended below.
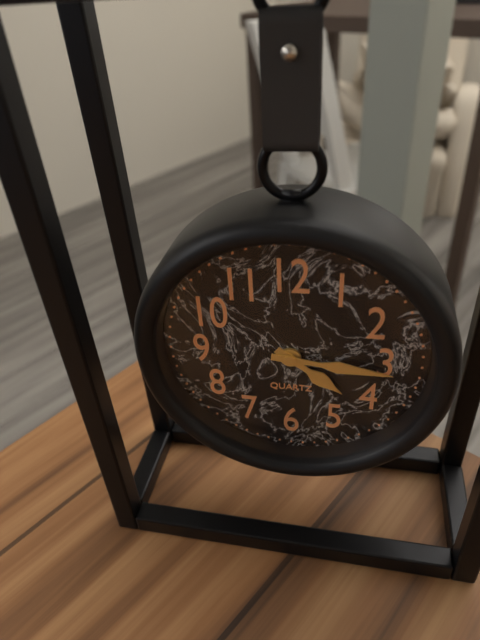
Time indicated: 4:16
